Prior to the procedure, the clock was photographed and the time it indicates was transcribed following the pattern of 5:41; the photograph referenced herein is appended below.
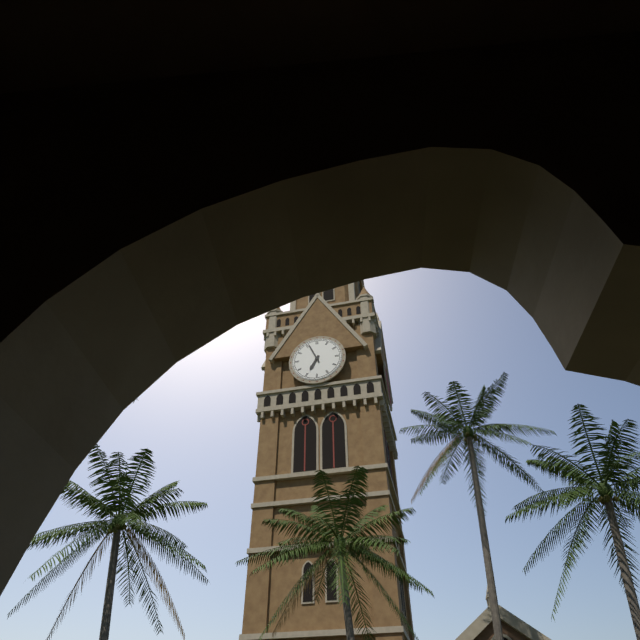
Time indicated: 6:56
